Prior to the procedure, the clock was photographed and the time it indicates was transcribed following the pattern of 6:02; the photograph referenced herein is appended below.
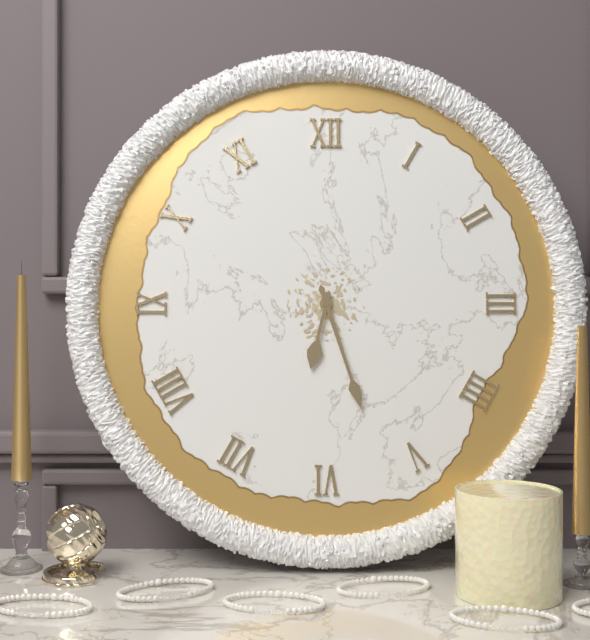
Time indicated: 6:27
